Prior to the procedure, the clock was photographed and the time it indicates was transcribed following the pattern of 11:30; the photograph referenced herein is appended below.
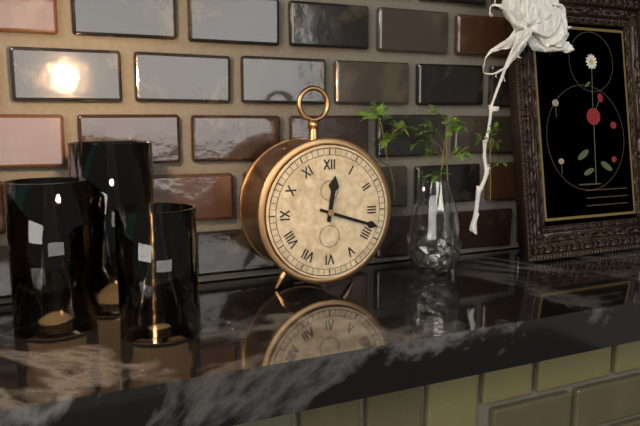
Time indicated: 12:18
